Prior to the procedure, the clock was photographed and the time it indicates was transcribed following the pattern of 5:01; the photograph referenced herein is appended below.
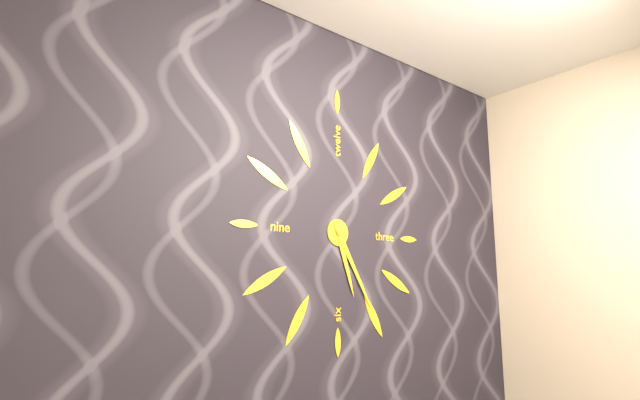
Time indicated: 5:25
